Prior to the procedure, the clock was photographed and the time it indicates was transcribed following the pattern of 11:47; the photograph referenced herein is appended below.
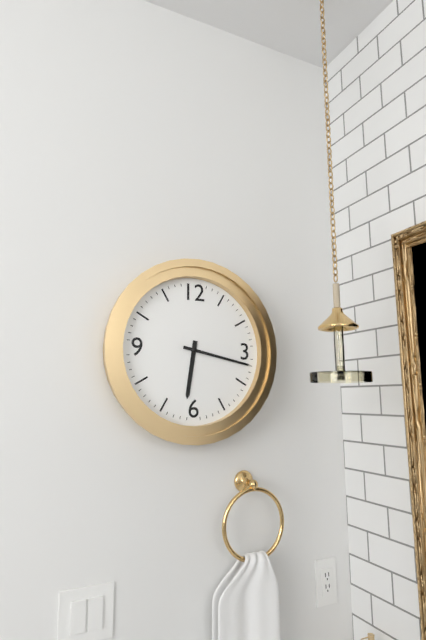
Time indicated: 6:17
